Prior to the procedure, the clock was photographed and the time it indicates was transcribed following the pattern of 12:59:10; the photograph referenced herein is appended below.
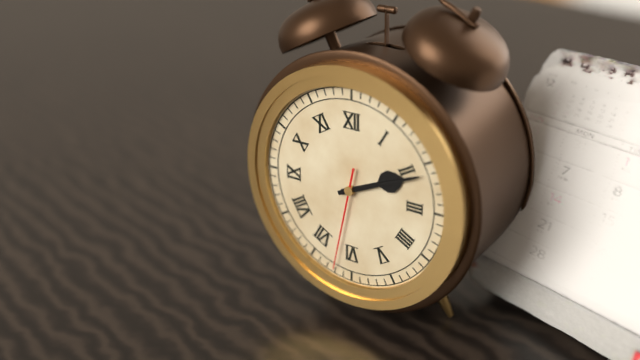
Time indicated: 2:11:32
